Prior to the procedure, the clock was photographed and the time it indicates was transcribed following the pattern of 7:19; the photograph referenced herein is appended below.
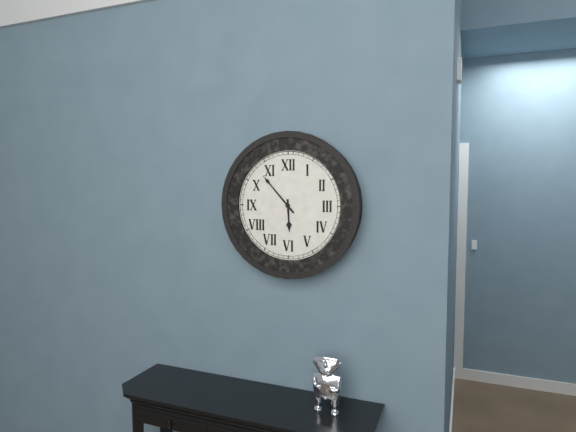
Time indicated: 5:53
